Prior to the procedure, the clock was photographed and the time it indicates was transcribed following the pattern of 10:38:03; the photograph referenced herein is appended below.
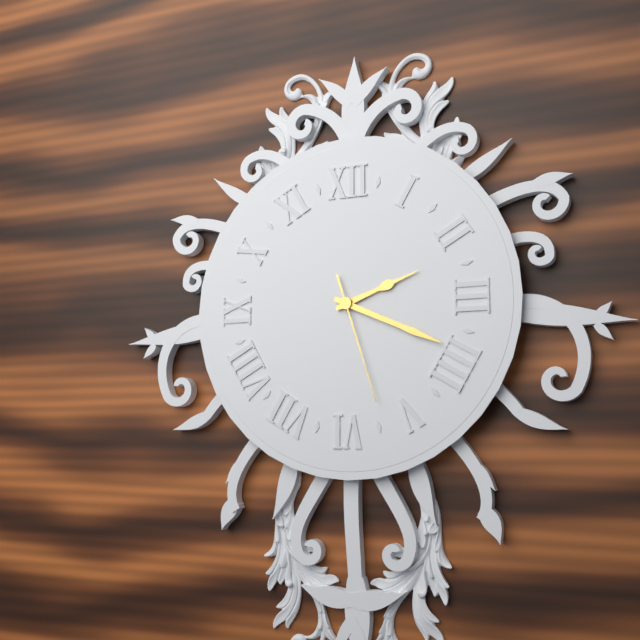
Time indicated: 2:19:27
